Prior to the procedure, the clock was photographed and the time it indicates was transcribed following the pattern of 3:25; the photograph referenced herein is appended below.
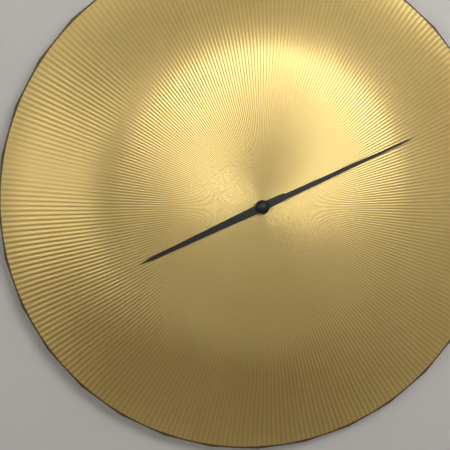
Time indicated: 8:11
